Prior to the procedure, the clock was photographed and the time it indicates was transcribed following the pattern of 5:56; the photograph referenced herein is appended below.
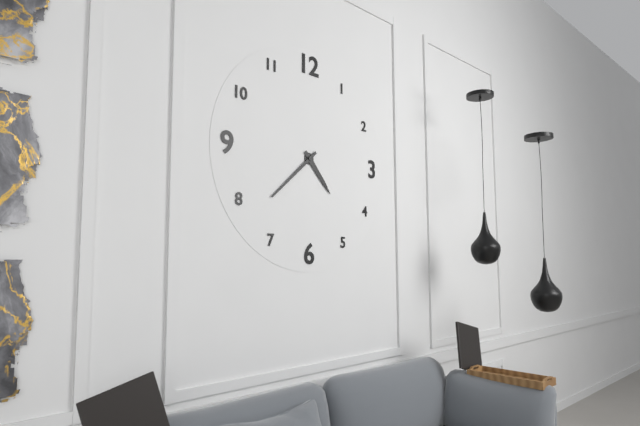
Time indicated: 4:38
